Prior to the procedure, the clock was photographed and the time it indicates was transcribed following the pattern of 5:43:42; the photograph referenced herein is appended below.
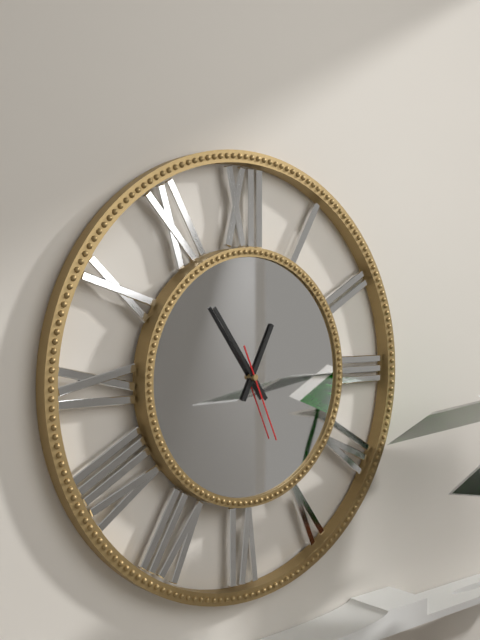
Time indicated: 12:54:26
